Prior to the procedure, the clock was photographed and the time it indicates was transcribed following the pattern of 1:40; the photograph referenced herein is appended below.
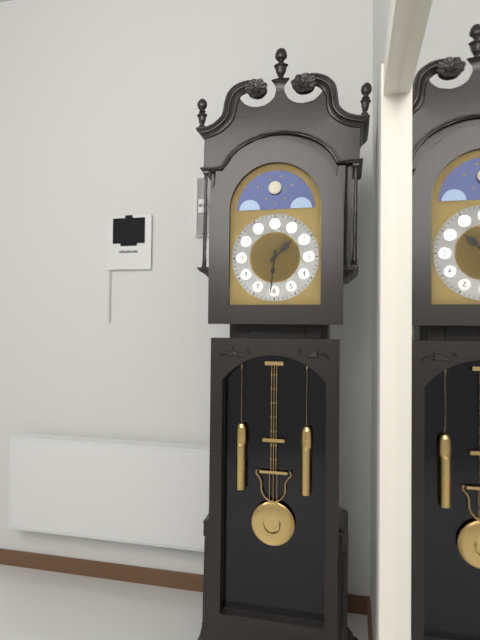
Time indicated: 1:31
